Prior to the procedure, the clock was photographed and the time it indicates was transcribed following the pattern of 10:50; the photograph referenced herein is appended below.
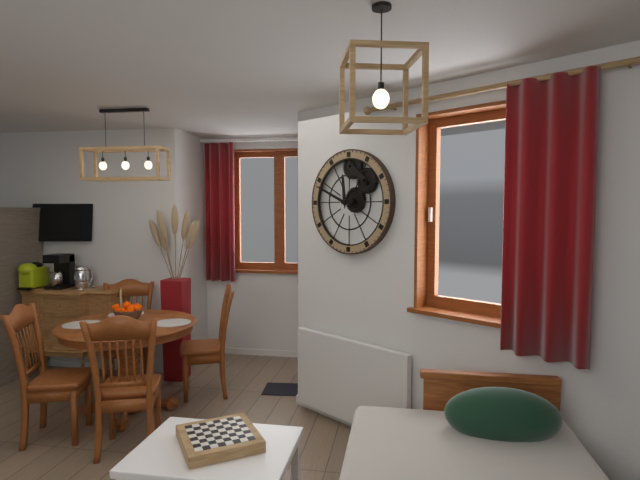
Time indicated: 11:49
